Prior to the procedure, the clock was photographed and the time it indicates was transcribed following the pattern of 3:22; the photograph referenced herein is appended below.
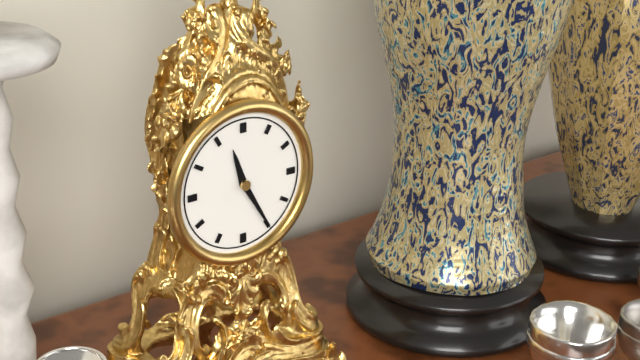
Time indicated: 11:25
